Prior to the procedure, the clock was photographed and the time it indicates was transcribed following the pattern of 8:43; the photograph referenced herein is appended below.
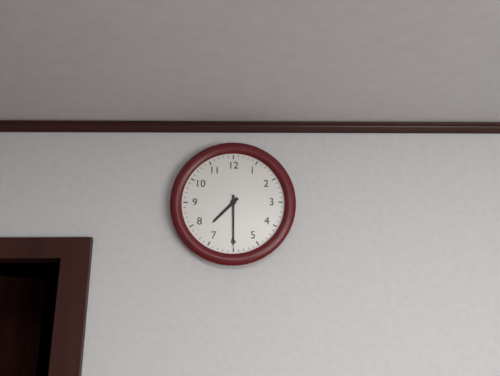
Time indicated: 7:30
